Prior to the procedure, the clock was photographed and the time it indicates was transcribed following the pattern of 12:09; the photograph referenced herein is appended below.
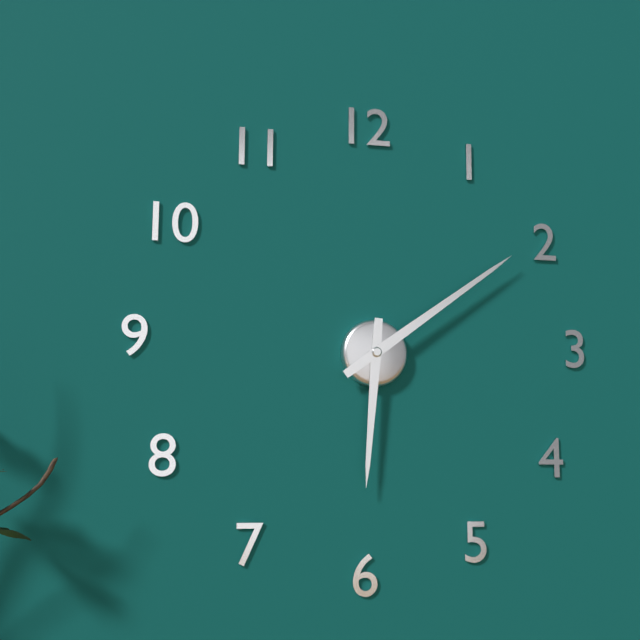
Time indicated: 6:09
